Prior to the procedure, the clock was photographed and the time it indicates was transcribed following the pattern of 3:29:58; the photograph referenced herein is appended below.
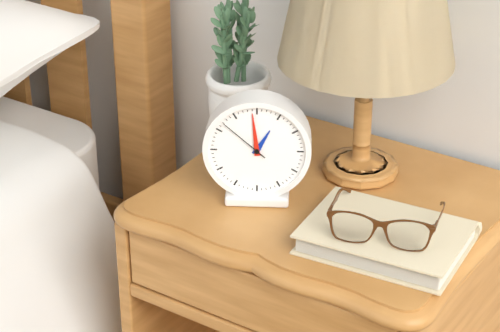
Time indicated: 12:59:52
